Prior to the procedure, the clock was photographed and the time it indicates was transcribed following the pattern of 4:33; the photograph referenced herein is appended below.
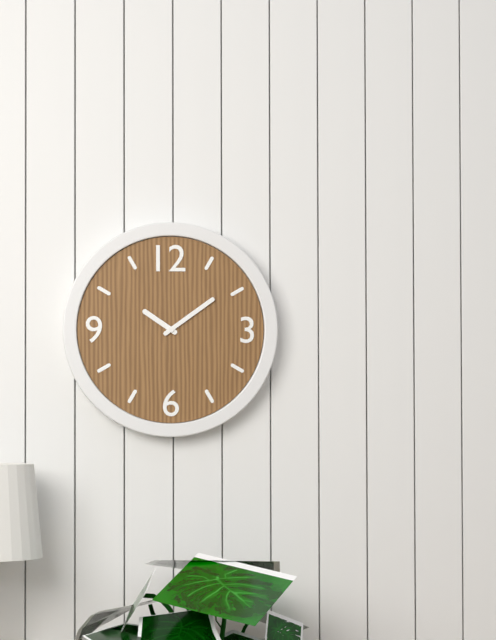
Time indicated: 10:09
